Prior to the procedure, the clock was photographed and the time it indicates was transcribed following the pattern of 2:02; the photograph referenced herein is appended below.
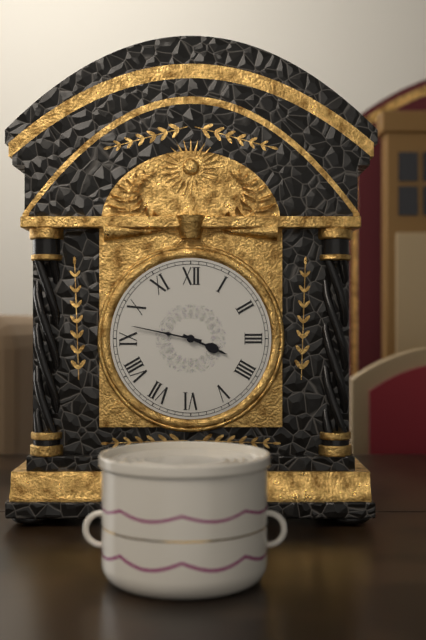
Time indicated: 3:47
